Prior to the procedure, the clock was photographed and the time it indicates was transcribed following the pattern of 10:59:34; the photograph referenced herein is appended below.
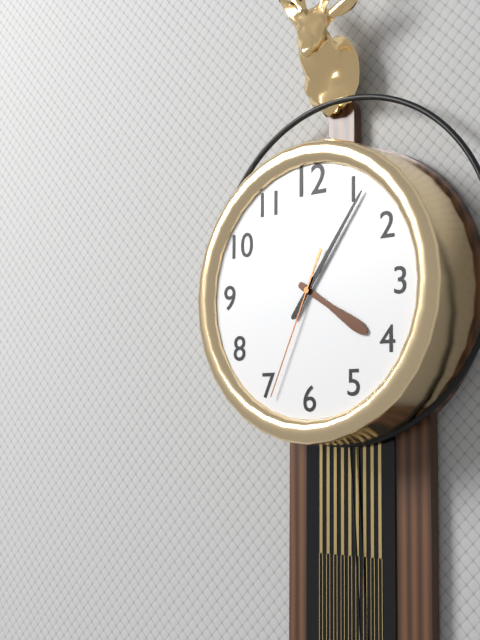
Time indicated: 4:06:34
